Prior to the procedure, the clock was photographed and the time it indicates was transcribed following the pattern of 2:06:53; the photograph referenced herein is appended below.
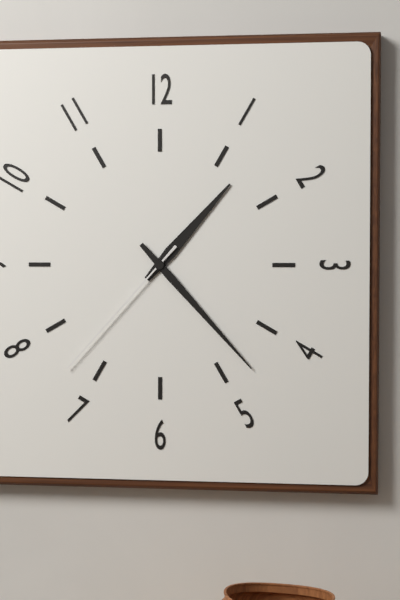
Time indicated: 1:23:37
